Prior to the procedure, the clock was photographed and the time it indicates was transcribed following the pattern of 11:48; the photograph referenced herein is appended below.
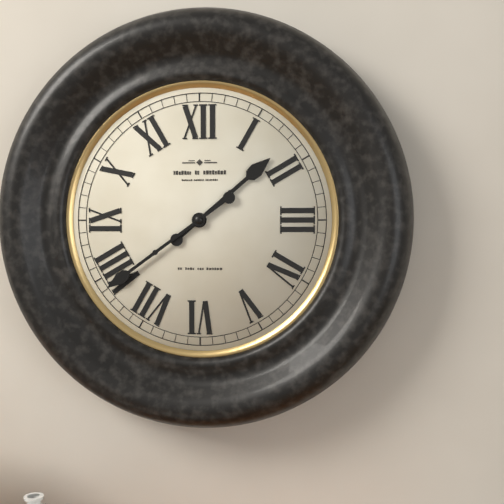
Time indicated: 1:39
